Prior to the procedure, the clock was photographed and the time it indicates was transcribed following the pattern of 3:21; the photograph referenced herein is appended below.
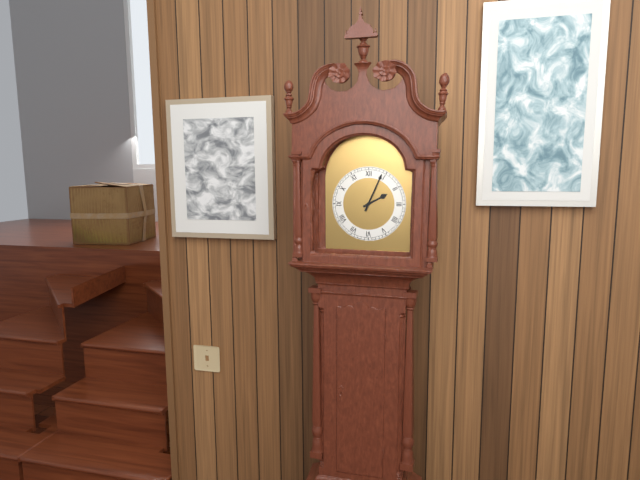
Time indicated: 2:04
